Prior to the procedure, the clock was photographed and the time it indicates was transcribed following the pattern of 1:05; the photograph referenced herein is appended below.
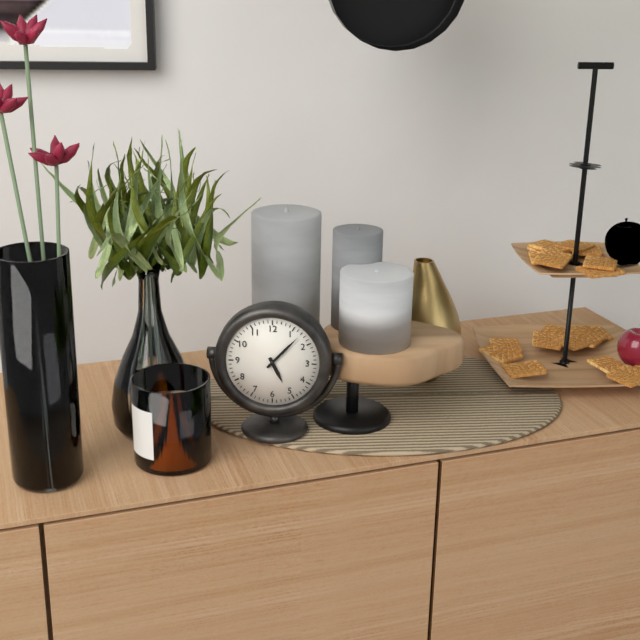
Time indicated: 5:07
